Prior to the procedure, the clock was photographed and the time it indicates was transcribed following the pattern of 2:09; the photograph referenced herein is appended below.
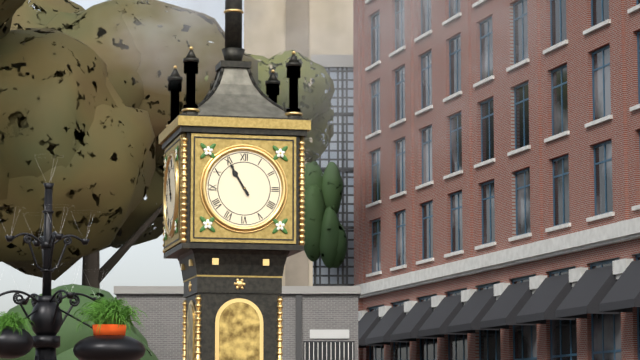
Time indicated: 10:55
